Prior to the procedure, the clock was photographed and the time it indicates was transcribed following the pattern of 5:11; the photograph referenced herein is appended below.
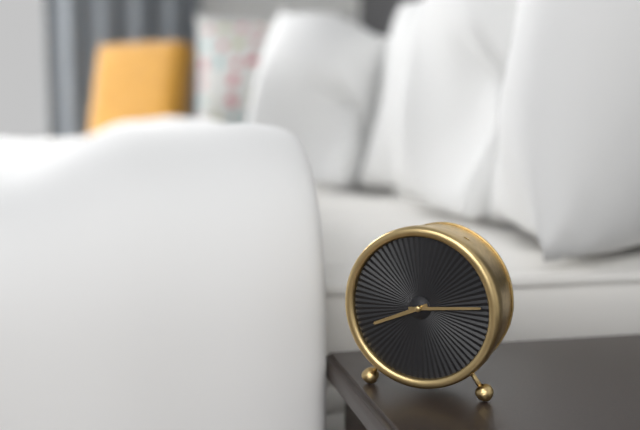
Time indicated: 8:14
